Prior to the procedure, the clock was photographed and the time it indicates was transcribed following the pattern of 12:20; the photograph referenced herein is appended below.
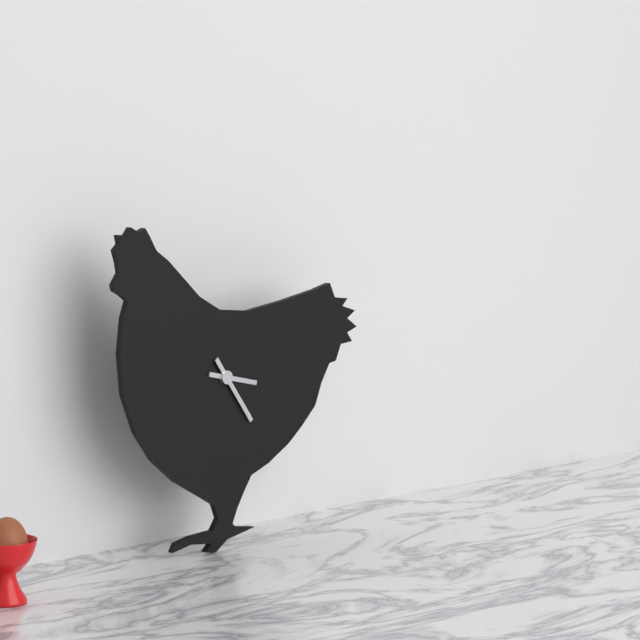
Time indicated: 3:24
